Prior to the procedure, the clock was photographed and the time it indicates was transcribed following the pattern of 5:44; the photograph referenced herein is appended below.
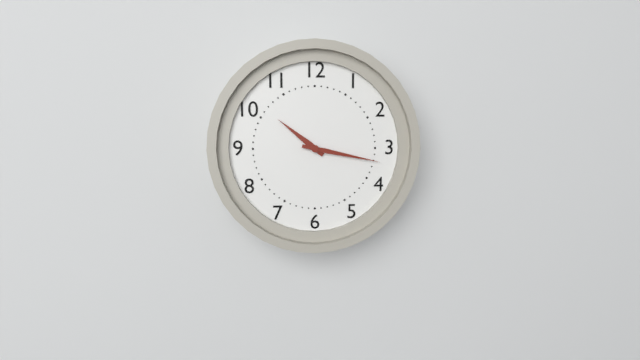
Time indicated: 10:17
